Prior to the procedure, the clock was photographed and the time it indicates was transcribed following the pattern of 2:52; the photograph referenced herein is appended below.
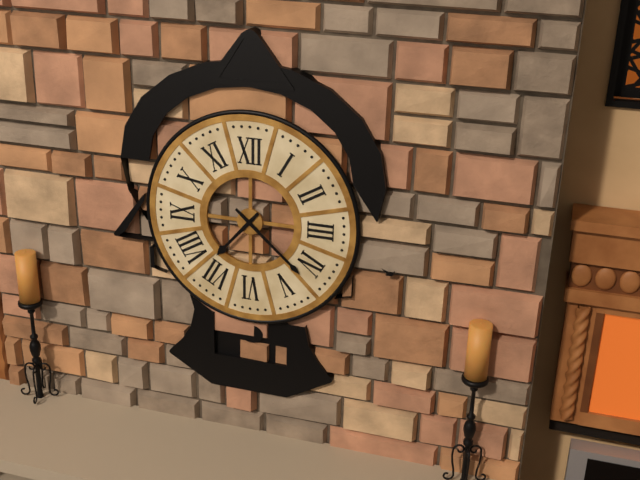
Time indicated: 7:22
